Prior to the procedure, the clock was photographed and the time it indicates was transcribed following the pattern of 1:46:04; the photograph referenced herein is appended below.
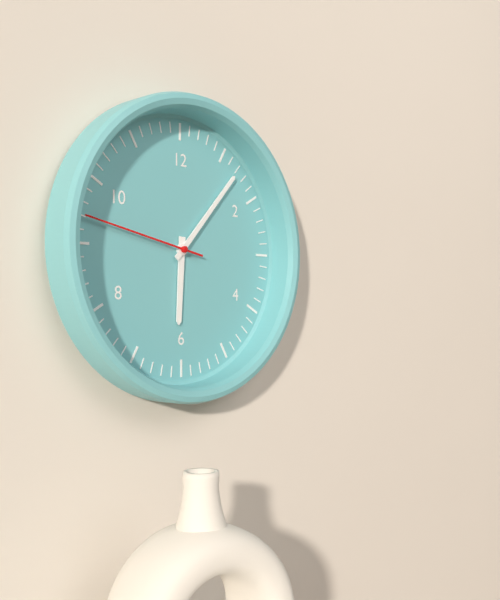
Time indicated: 6:07:47
